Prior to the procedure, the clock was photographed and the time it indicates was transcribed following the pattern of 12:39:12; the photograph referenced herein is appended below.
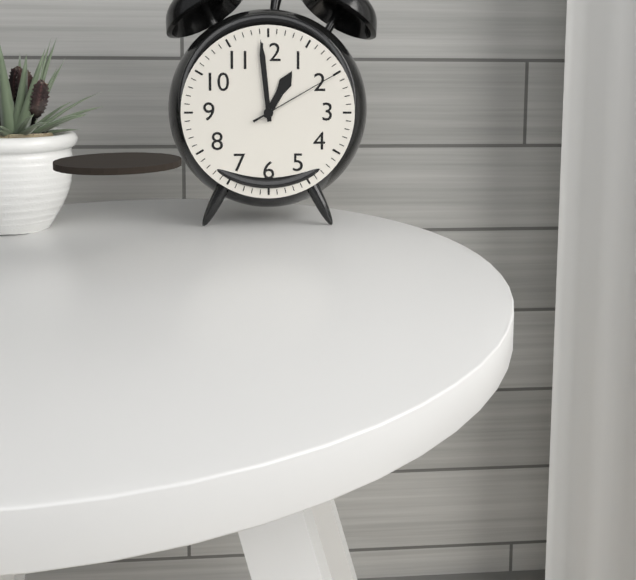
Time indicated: 12:59:10
